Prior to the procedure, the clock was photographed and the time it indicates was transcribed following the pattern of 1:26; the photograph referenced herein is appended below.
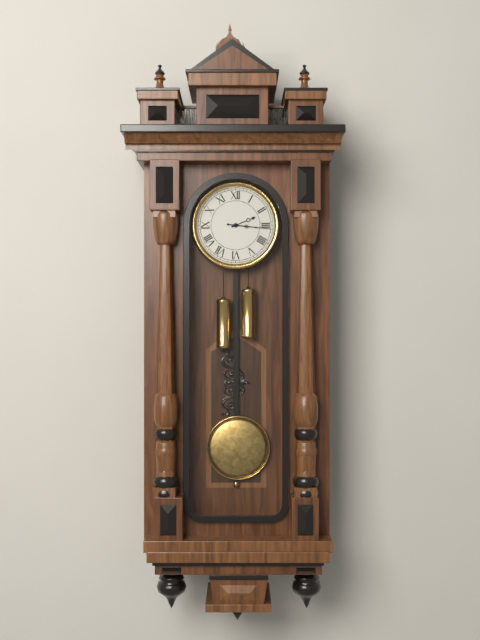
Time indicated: 2:16
